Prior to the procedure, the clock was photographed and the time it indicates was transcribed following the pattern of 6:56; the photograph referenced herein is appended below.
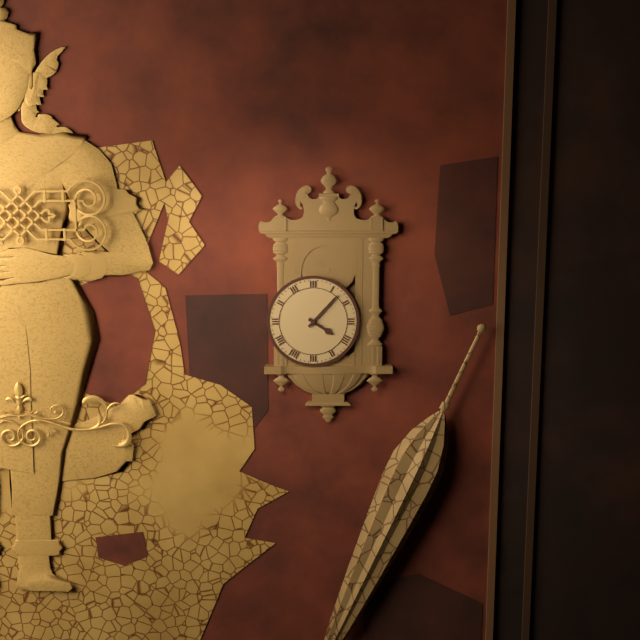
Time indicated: 4:07
